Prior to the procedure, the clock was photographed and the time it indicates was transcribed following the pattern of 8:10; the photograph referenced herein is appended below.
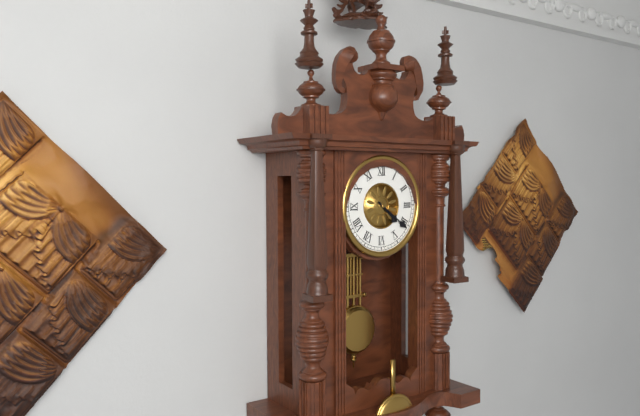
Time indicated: 4:21
